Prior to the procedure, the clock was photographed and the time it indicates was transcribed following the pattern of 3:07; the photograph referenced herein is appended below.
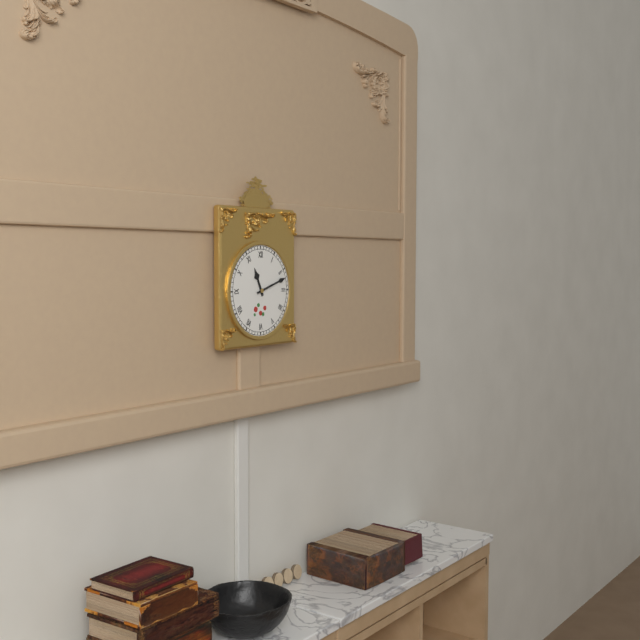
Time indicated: 11:12
